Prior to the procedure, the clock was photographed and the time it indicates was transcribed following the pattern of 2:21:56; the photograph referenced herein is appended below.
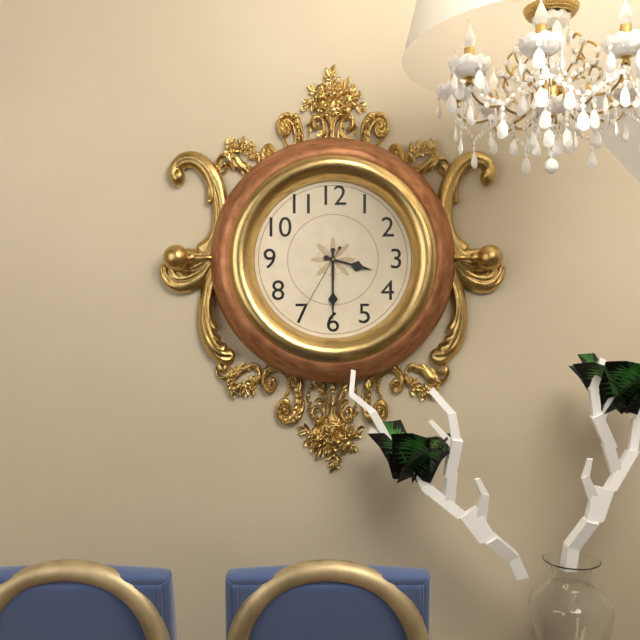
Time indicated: 3:30:35
